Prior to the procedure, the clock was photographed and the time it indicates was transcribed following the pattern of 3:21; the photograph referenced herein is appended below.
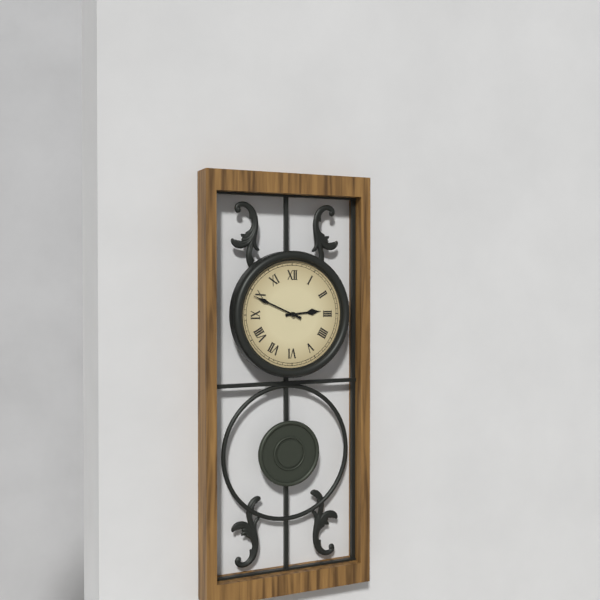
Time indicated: 2:49
